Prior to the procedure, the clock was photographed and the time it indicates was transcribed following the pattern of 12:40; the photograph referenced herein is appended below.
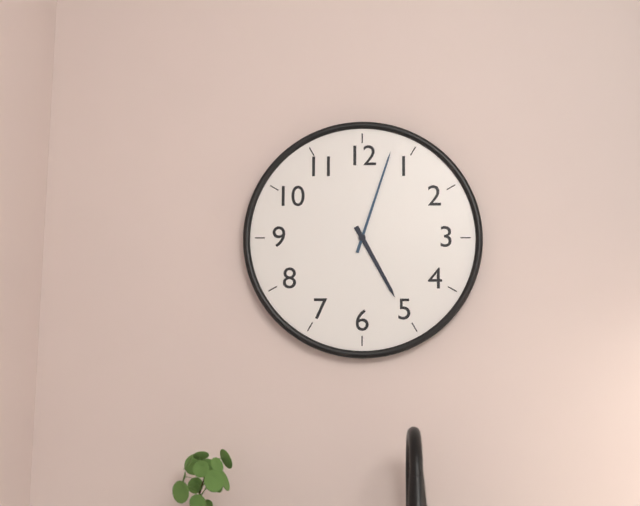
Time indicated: 5:03
